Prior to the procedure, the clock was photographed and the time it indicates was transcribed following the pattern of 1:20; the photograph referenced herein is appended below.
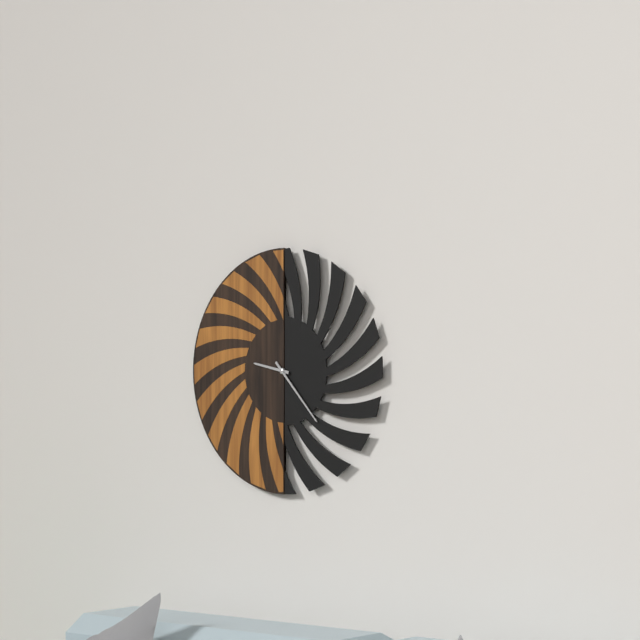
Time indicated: 9:23
